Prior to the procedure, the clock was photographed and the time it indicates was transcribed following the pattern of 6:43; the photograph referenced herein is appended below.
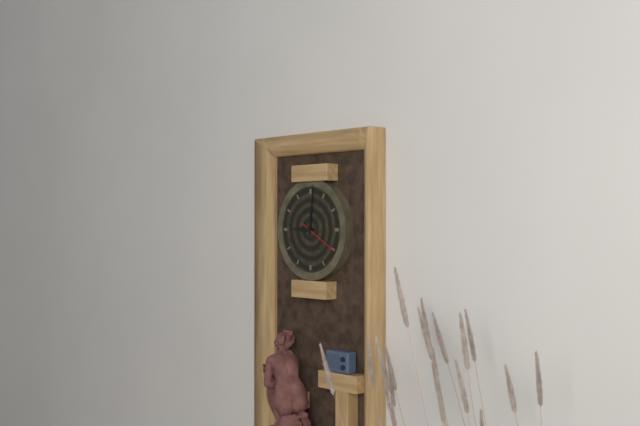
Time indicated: 9:01
